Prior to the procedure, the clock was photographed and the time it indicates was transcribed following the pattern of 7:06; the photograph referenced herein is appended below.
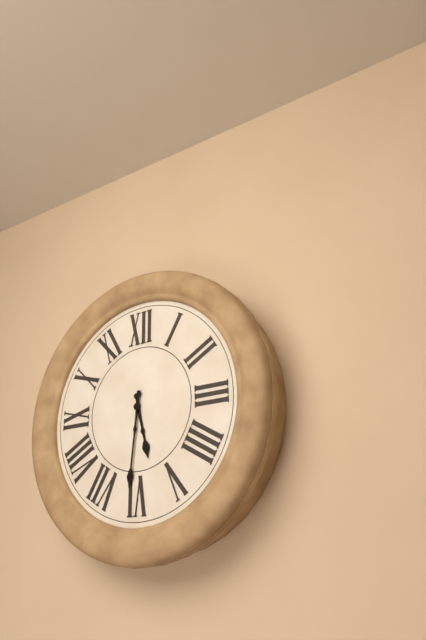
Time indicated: 5:31
